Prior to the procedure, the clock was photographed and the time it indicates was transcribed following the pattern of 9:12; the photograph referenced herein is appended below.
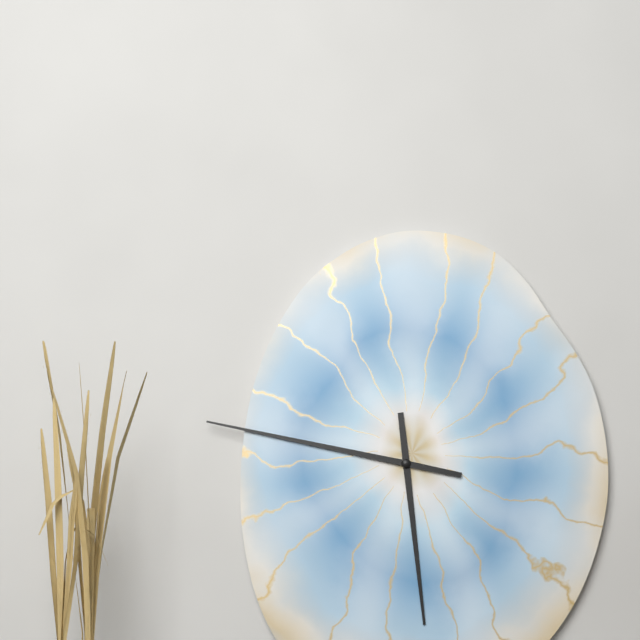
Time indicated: 5:47
